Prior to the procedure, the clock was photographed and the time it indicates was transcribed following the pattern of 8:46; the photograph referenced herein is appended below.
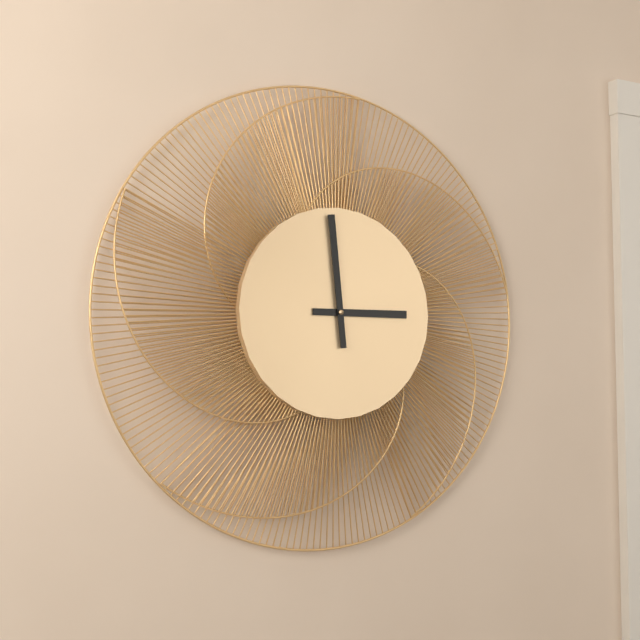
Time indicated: 2:59
